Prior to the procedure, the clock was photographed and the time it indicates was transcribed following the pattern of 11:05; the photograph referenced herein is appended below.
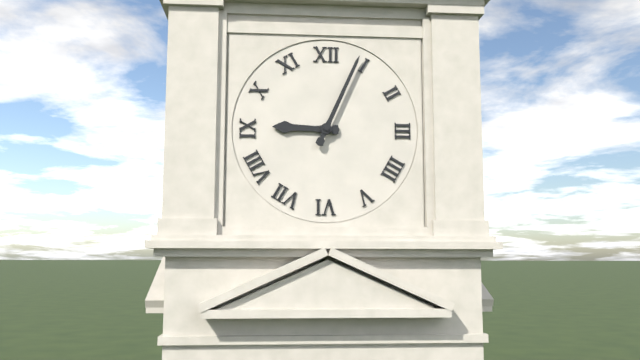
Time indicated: 9:04
